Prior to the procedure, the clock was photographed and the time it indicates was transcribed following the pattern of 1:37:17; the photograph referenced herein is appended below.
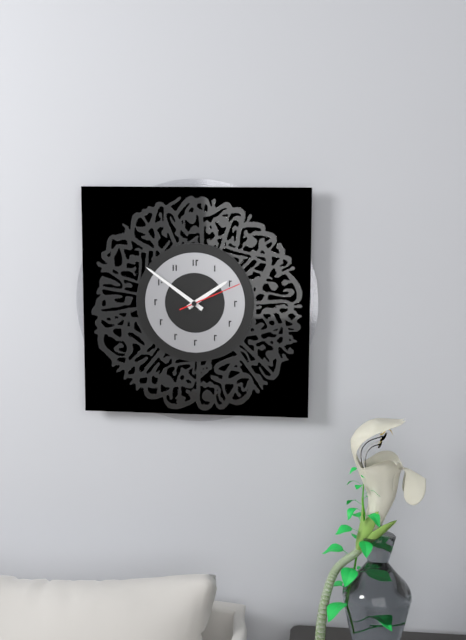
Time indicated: 1:51:11
